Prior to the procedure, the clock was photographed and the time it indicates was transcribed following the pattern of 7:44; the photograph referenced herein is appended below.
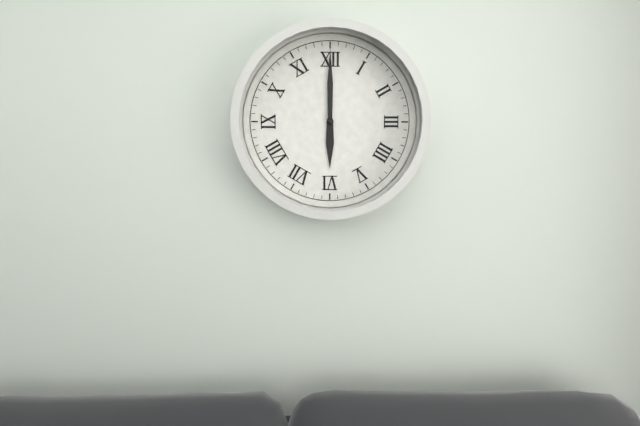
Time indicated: 6:00
